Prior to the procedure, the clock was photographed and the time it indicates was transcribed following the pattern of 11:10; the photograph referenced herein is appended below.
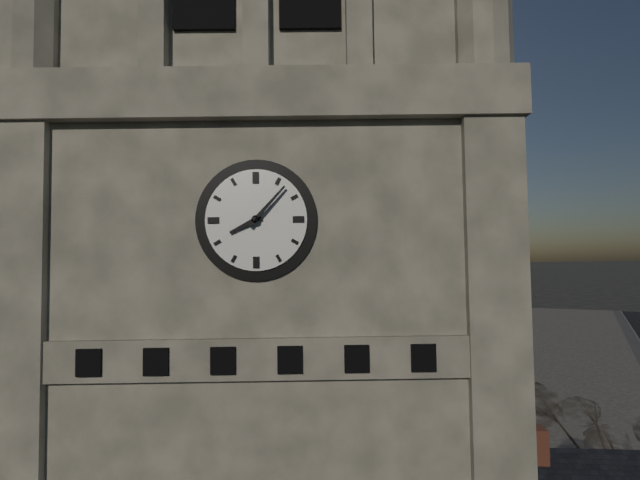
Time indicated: 8:07
